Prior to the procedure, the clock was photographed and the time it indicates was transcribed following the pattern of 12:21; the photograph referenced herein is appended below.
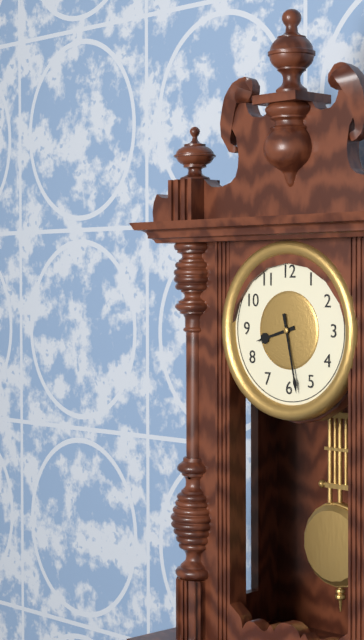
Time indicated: 8:28
